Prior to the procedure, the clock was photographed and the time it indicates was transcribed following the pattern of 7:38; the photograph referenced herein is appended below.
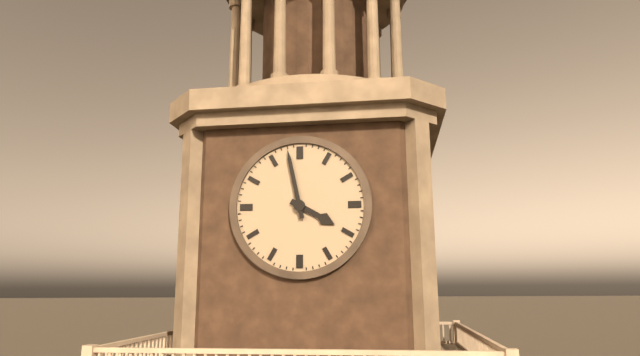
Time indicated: 3:58
